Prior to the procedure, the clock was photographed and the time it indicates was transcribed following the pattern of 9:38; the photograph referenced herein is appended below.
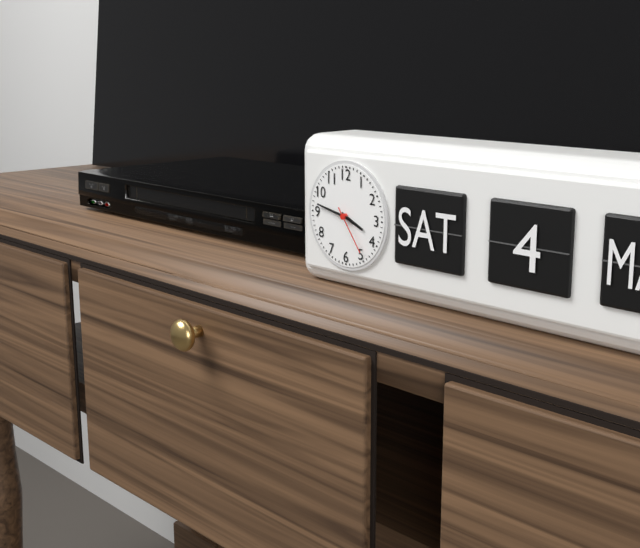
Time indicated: 3:47
